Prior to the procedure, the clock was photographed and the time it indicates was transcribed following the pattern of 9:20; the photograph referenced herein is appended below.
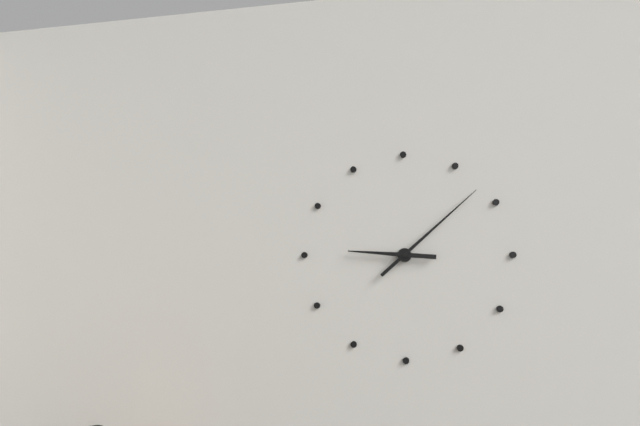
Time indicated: 9:08
